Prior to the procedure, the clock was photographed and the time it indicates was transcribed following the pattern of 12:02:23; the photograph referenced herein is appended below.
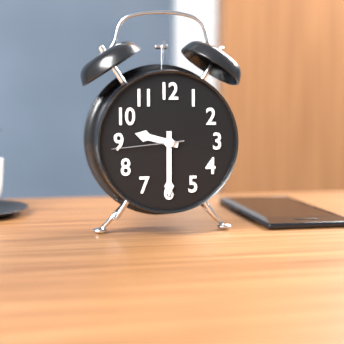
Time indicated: 9:30:44
